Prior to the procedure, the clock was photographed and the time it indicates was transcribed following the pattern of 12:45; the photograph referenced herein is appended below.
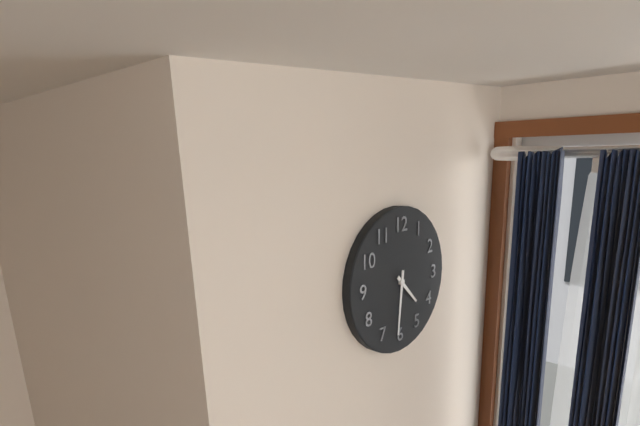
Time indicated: 4:31
